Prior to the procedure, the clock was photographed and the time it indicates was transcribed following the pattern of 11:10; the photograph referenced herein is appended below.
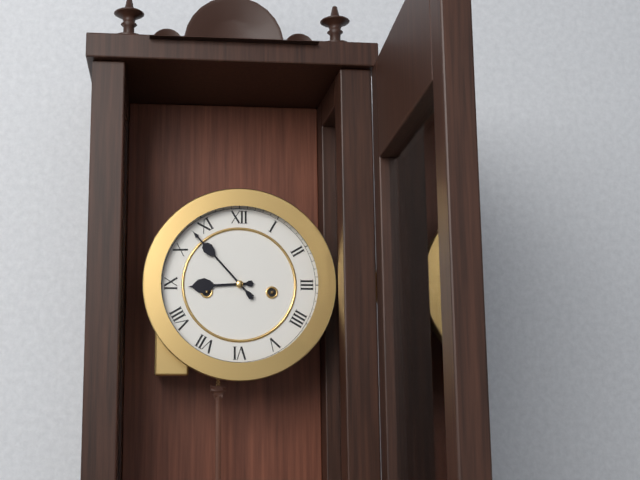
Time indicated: 8:53
